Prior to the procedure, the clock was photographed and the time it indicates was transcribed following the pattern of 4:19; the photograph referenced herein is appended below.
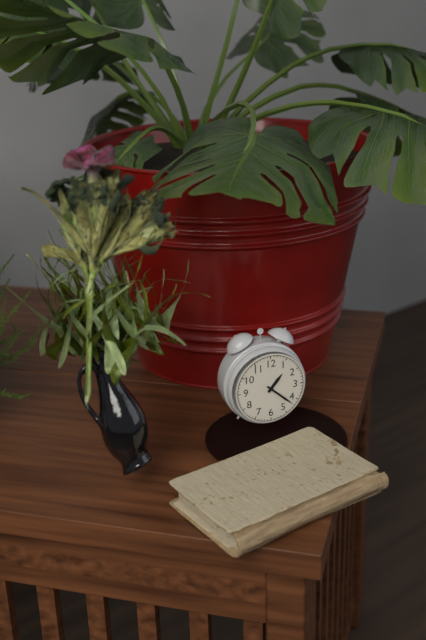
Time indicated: 1:22
